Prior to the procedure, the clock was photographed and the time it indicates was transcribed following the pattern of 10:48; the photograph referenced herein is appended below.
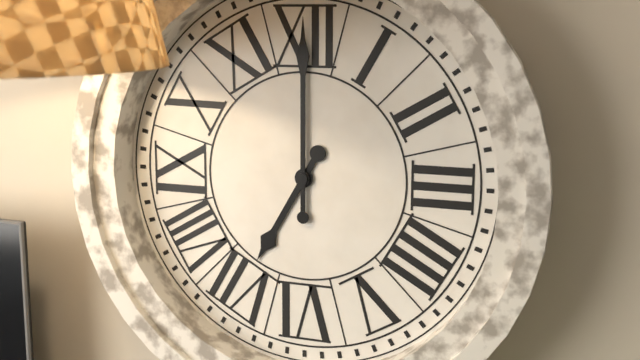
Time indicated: 7:00
